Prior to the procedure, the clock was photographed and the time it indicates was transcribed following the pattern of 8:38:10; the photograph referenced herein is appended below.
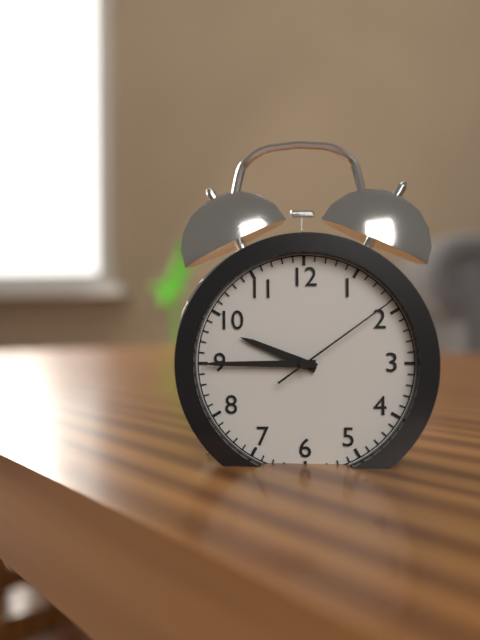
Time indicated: 9:45:09
